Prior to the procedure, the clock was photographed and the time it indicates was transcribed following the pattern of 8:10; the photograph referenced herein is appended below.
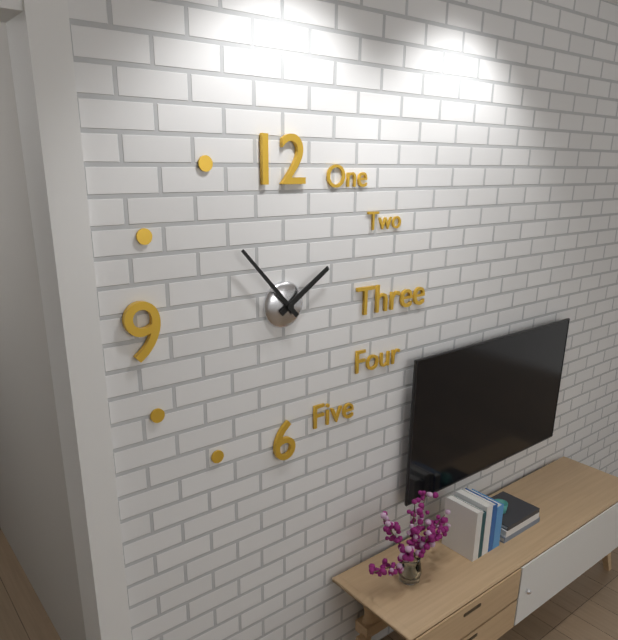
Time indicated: 1:53
